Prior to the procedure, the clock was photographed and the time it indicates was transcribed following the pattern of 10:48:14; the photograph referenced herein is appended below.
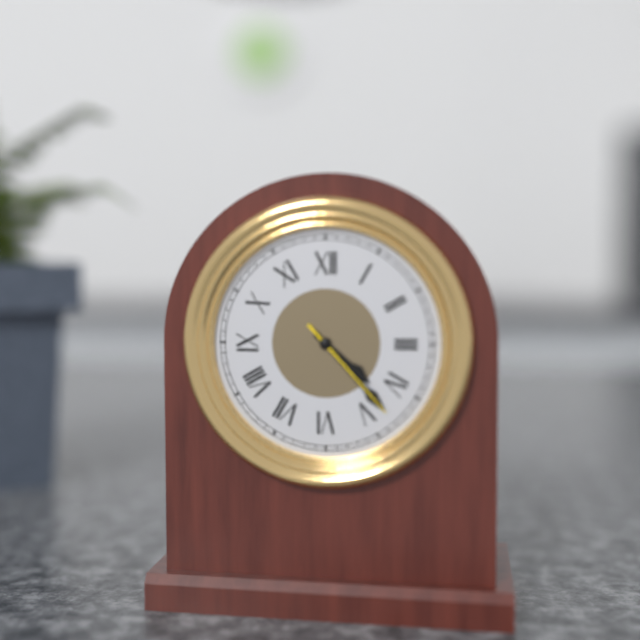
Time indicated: 4:23:23
